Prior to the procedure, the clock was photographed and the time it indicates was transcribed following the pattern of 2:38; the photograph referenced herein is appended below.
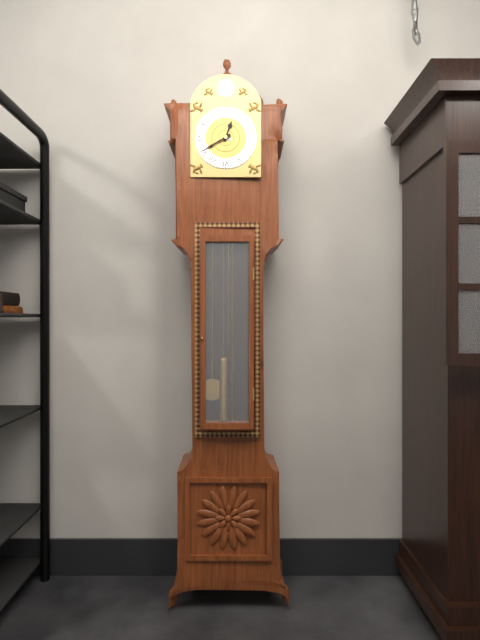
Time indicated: 12:40
